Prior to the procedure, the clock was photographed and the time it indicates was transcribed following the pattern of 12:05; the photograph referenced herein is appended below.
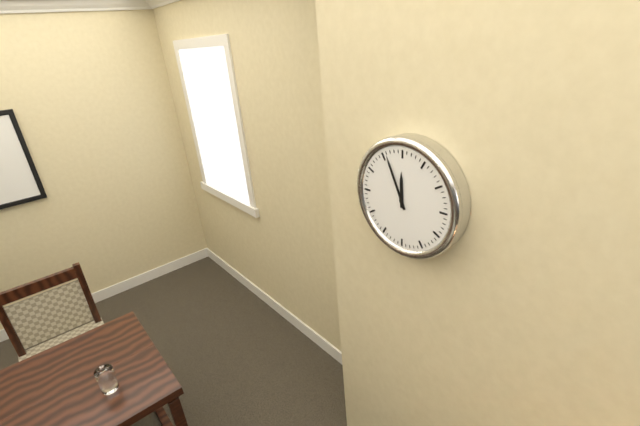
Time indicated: 11:56
